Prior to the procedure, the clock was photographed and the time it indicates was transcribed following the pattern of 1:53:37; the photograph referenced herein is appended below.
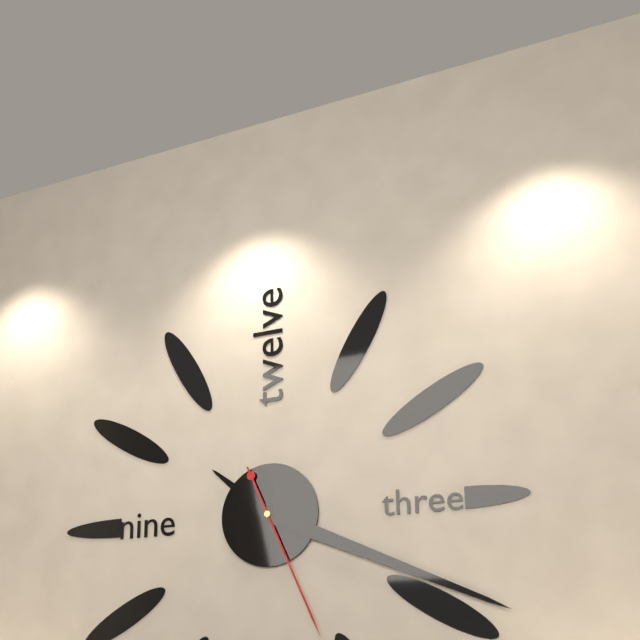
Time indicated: 10:19:26
